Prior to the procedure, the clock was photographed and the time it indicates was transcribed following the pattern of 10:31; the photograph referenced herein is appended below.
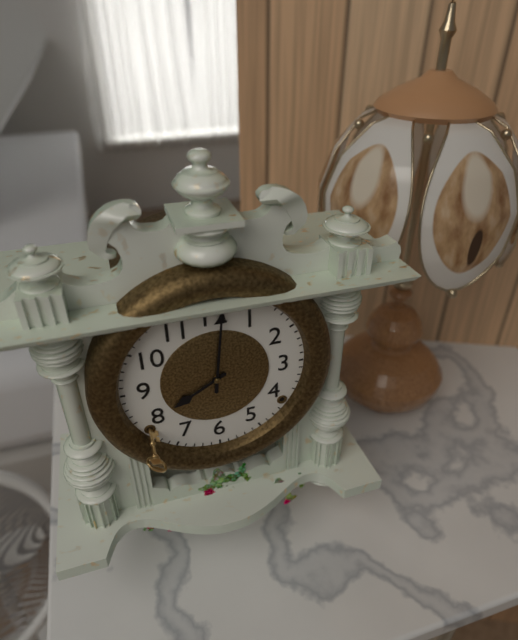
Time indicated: 8:01
